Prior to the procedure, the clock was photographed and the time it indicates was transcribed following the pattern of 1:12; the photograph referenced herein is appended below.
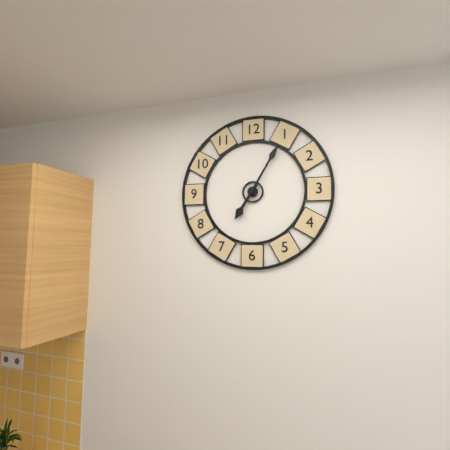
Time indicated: 7:05
